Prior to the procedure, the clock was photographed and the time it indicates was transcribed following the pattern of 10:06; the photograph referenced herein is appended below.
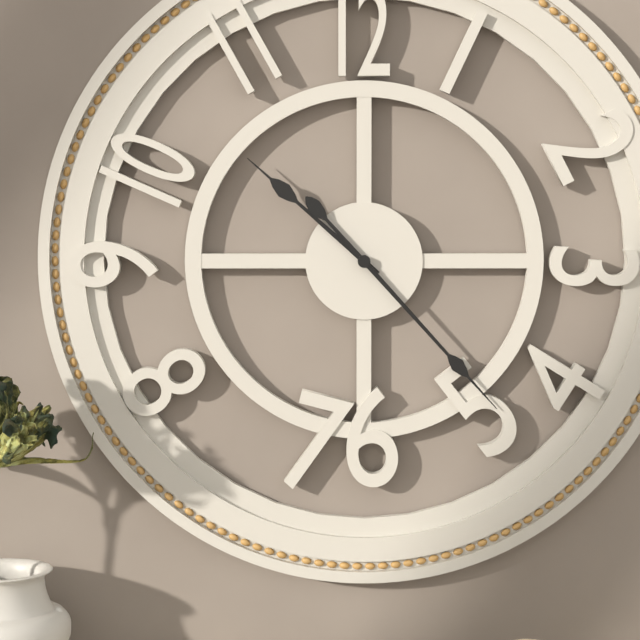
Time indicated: 10:23
